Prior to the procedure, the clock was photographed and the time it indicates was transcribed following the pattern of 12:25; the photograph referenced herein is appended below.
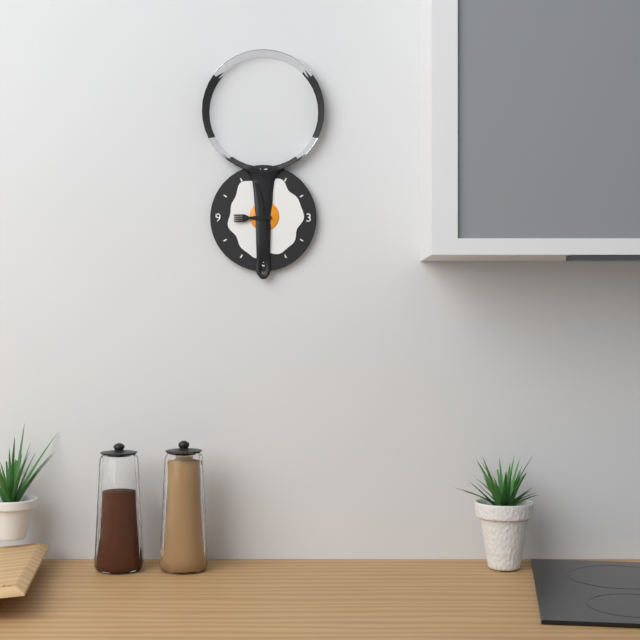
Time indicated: 8:58
